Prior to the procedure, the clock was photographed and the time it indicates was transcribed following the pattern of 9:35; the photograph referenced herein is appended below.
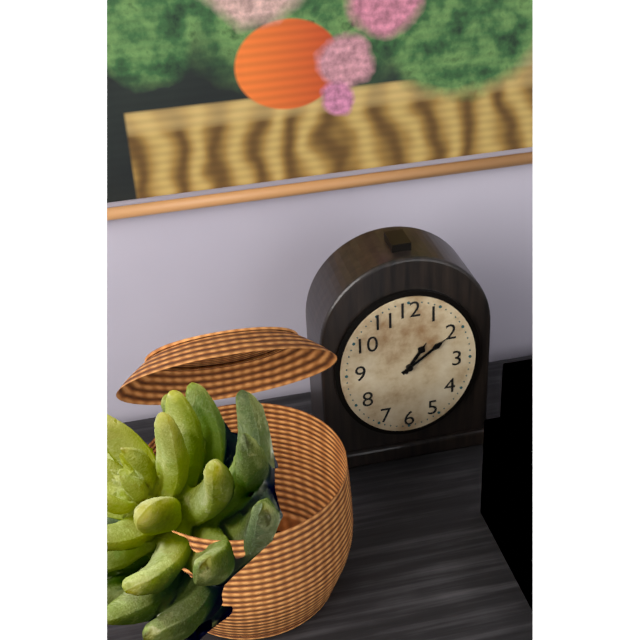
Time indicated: 1:09
